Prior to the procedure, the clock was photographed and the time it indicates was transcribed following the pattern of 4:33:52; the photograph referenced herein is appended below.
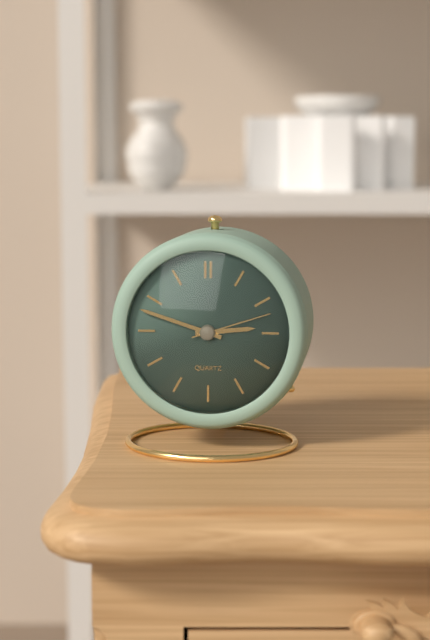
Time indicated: 2:48:12
